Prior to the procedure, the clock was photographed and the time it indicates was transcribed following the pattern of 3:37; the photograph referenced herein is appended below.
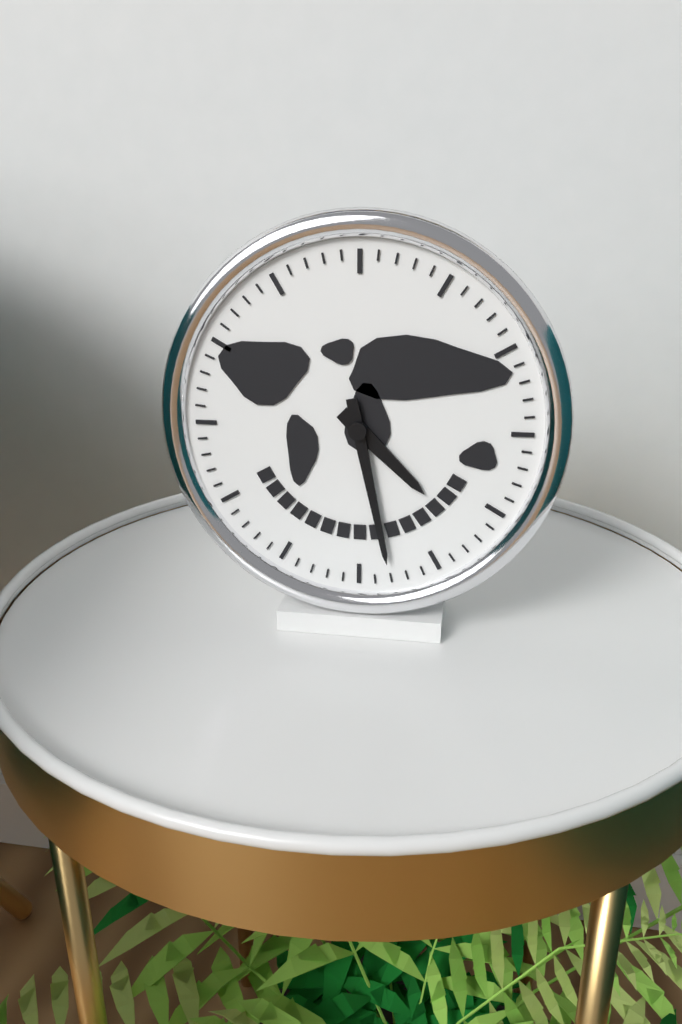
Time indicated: 4:28
